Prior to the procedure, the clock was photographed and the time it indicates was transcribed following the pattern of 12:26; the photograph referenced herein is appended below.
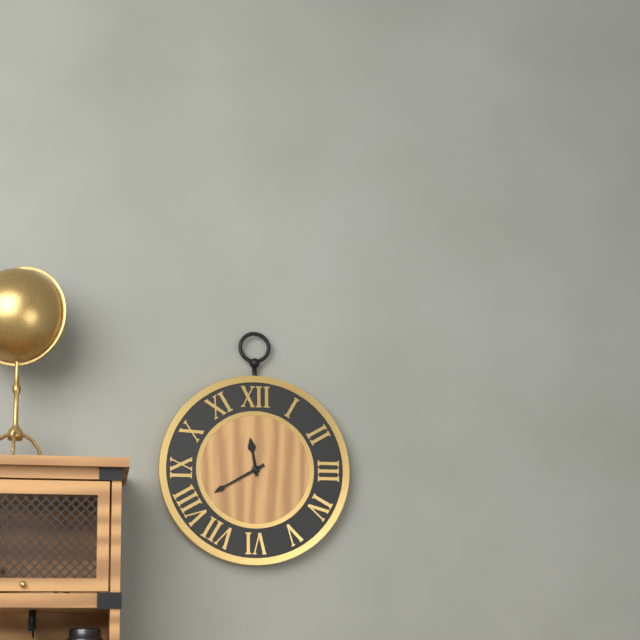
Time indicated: 11:40
